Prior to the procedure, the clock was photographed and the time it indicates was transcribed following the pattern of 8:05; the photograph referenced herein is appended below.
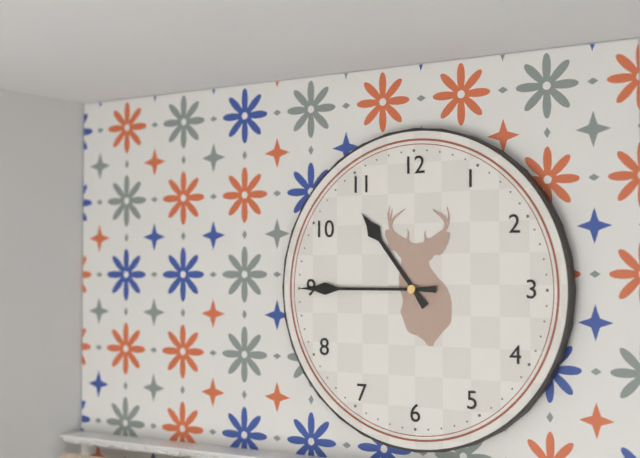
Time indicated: 10:45
